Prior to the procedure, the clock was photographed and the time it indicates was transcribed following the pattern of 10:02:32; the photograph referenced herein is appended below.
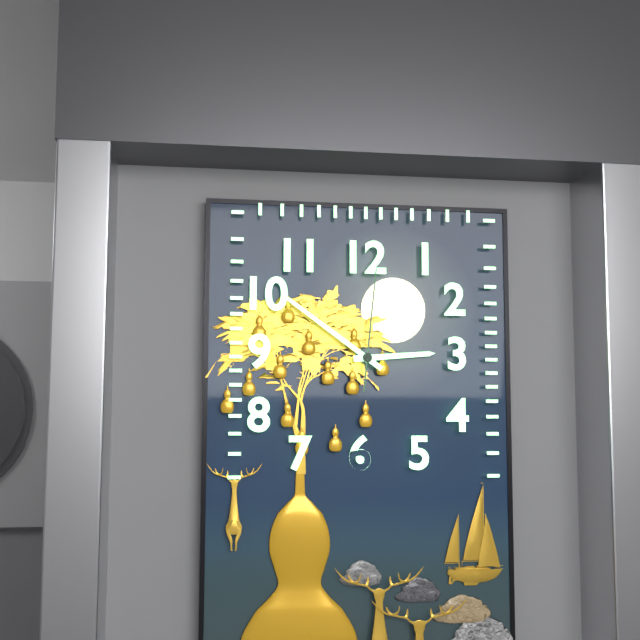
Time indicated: 2:51:01
